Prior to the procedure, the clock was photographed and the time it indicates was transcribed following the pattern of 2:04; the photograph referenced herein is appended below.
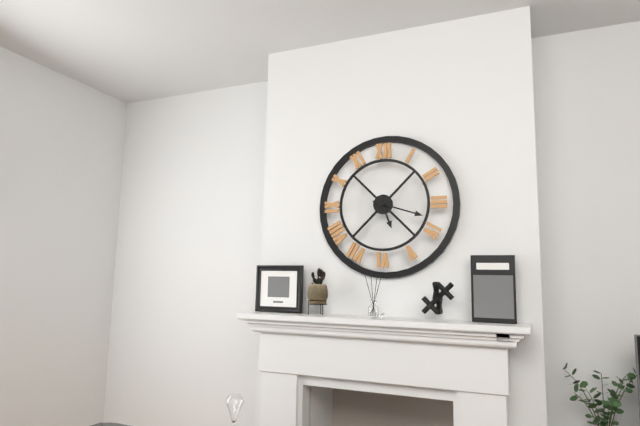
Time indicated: 5:18
